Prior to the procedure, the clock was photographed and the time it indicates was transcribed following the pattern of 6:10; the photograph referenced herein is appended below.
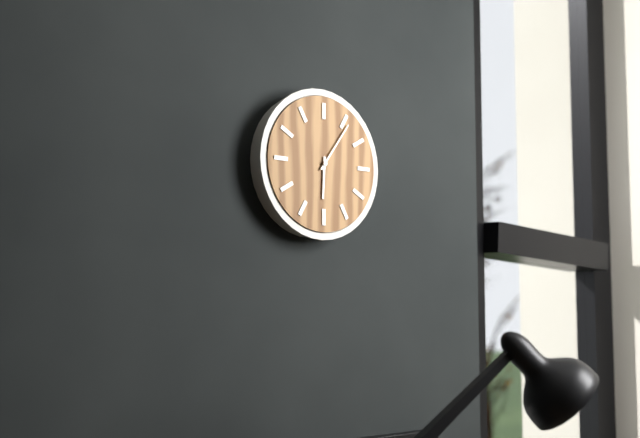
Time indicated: 6:06
